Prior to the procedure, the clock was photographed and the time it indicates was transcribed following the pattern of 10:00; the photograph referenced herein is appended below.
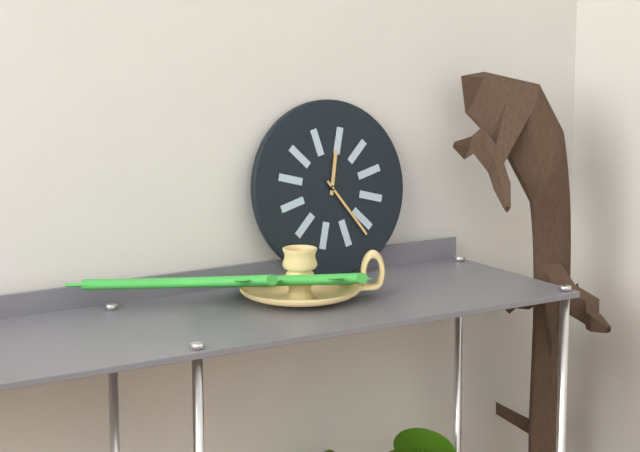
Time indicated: 12:24
